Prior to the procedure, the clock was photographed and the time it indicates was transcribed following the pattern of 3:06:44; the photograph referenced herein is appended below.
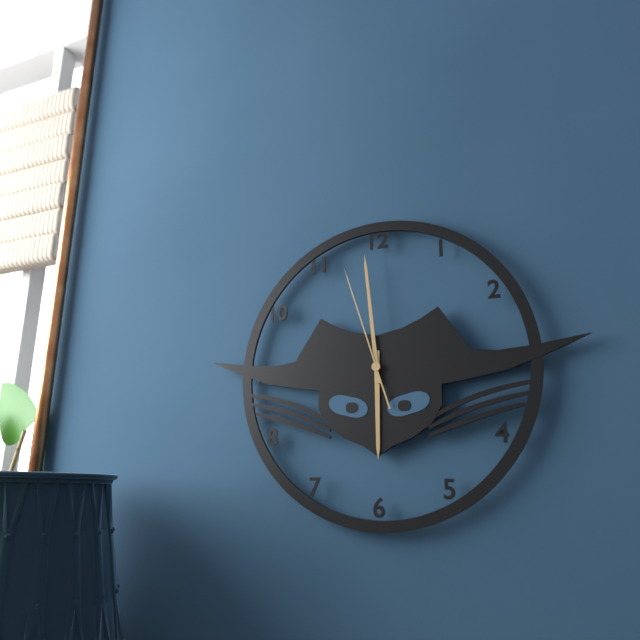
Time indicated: 5:59:57
